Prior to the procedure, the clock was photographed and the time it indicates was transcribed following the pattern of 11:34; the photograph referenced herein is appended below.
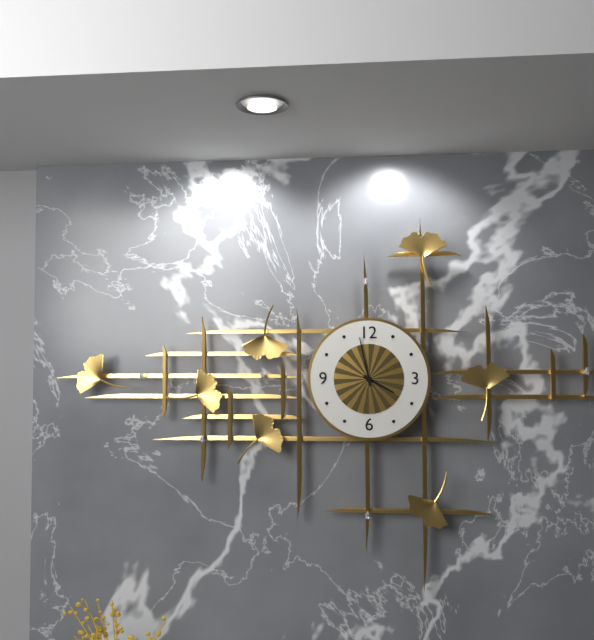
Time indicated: 3:58
